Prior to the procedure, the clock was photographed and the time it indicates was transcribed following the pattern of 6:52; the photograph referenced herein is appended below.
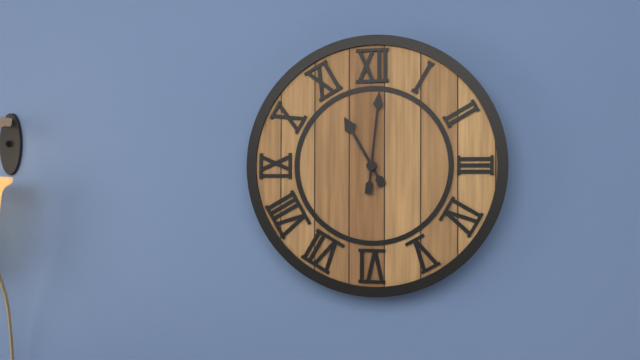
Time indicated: 11:01
